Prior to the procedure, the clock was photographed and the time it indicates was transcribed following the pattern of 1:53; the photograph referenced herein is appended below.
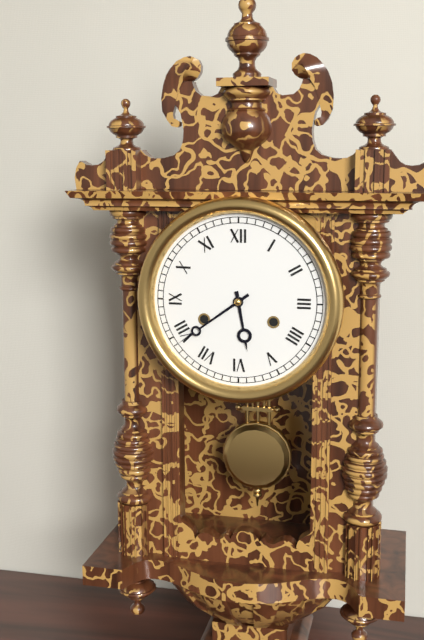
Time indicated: 5:39
